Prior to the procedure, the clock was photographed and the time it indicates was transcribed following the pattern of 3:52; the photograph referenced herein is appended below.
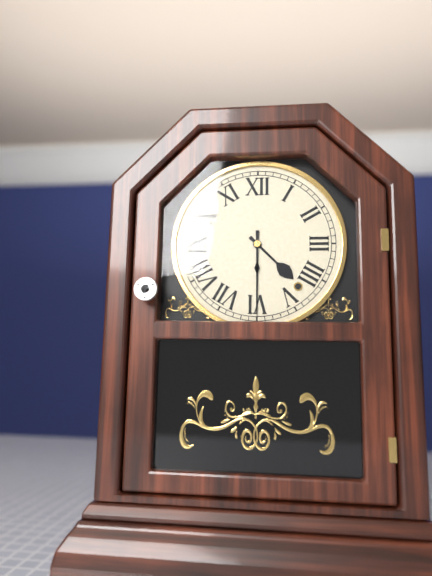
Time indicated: 4:30
